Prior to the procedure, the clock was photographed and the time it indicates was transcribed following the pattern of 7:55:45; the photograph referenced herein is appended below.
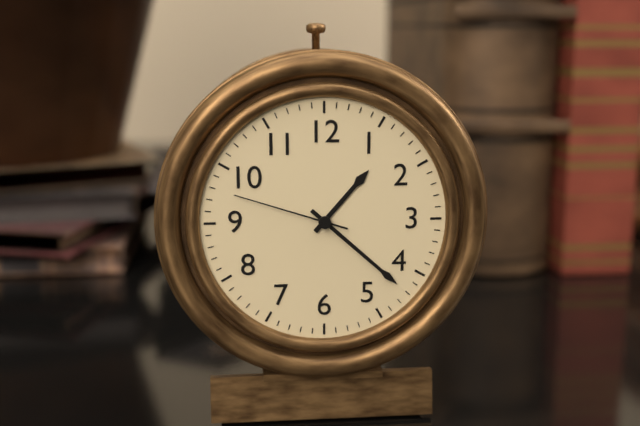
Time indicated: 1:22:48
